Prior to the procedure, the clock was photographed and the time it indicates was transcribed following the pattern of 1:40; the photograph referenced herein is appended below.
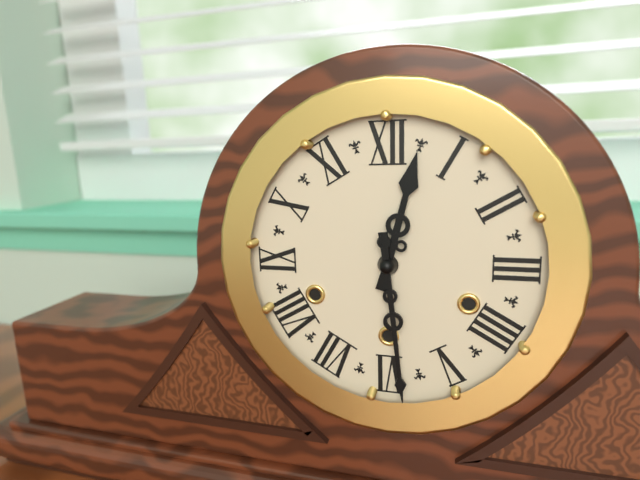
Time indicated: 12:29
